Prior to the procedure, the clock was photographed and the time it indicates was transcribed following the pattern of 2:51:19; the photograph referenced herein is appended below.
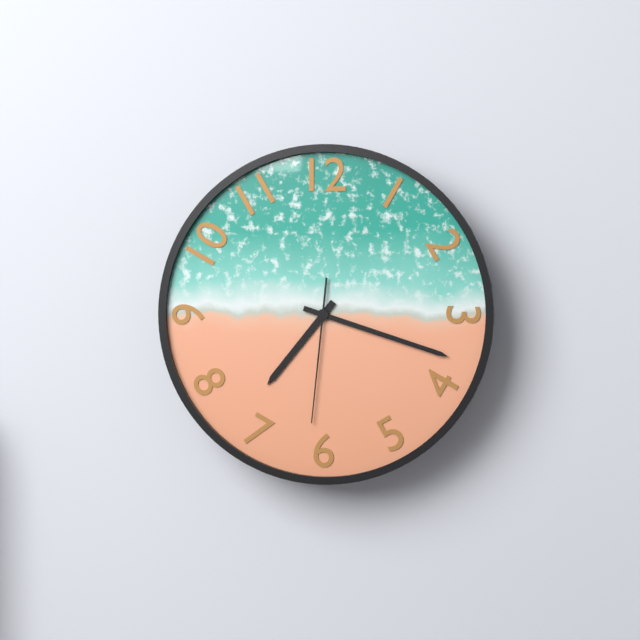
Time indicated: 7:18:31
